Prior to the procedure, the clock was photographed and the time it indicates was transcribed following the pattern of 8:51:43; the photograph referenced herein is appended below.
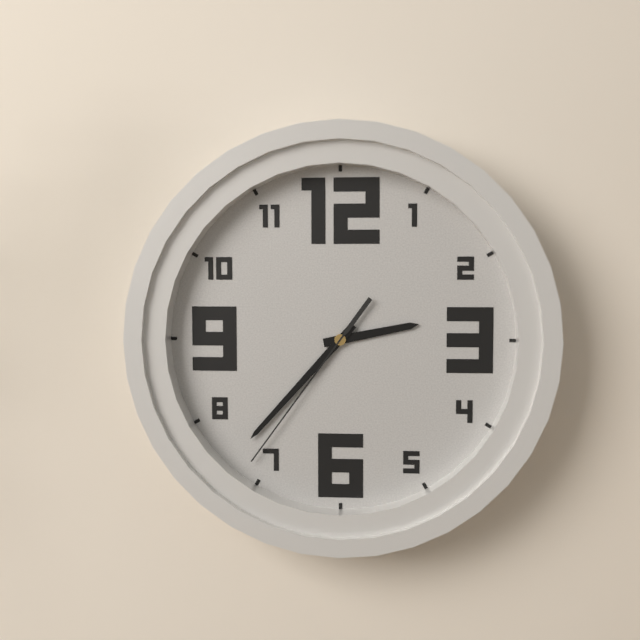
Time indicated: 2:37:36
